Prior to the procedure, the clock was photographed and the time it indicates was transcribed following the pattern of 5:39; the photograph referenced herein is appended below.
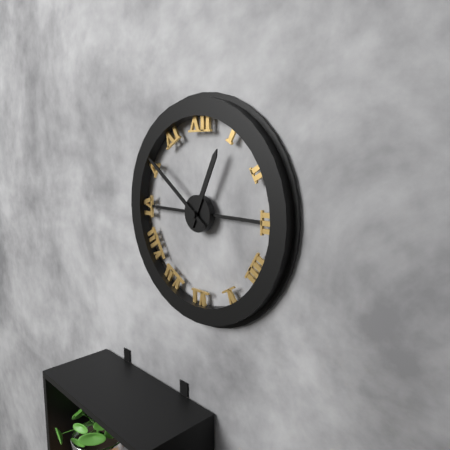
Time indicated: 12:51
